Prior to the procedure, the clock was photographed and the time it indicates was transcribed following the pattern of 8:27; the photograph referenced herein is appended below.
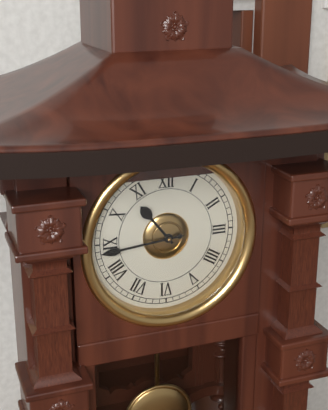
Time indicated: 10:44
